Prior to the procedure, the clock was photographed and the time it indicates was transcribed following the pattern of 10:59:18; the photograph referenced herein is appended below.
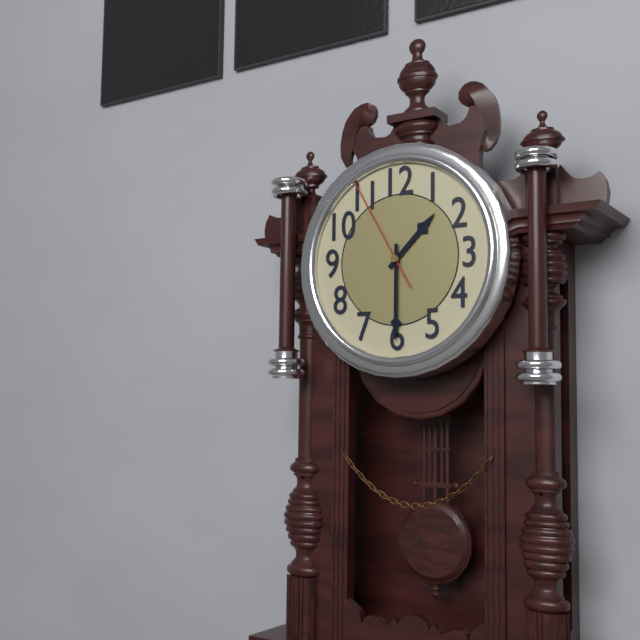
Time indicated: 1:30:55
